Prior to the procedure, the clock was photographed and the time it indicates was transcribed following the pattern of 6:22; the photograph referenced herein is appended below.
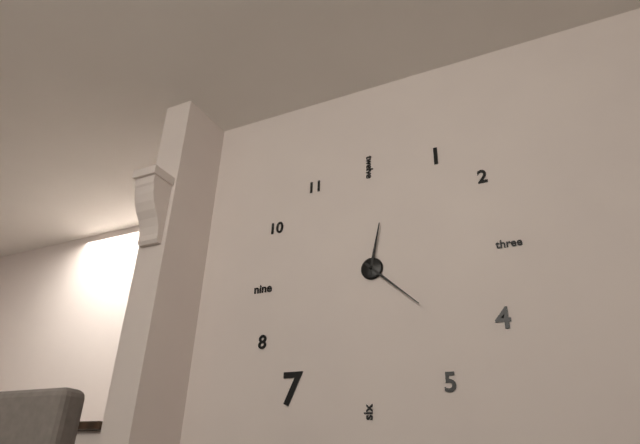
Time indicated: 12:22
